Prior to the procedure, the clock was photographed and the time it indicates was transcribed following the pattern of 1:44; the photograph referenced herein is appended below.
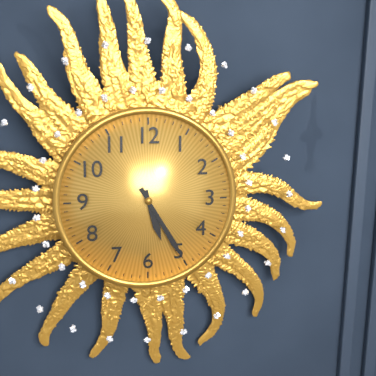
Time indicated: 5:25
